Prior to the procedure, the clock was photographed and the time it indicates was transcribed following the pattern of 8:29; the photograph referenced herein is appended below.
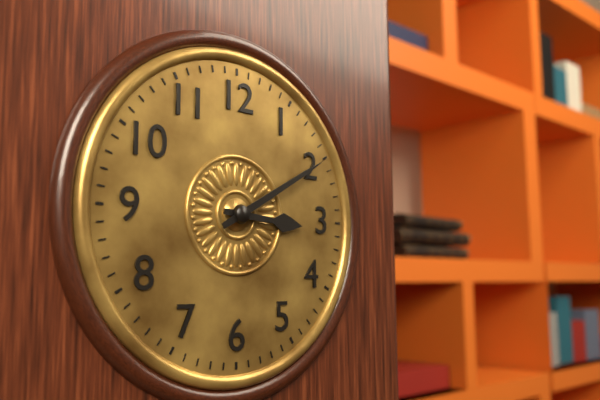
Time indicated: 3:10
